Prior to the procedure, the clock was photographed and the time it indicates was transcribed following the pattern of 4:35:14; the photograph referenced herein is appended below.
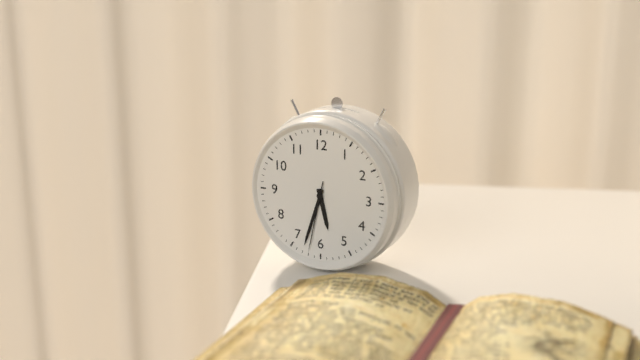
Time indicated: 5:33:32
